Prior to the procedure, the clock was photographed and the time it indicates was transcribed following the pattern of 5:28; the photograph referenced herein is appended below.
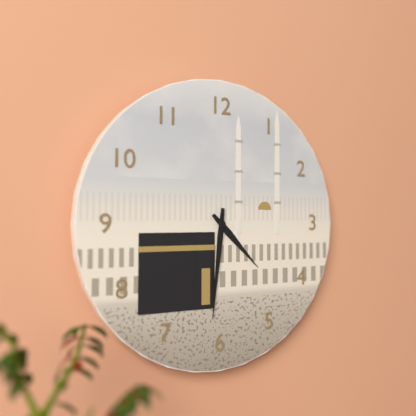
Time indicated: 4:31
